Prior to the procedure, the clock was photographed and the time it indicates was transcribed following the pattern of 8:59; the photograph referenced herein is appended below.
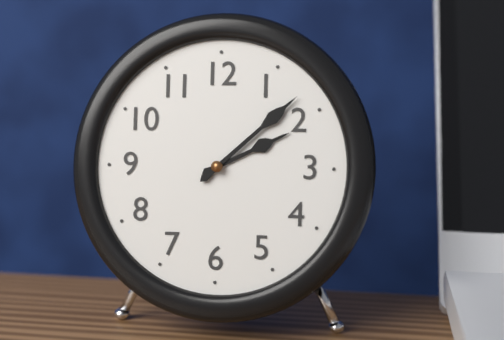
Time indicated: 2:08
